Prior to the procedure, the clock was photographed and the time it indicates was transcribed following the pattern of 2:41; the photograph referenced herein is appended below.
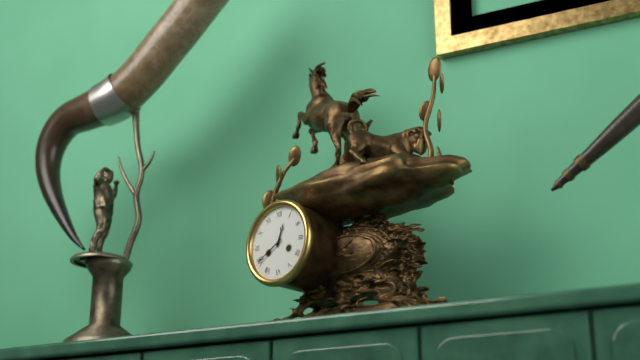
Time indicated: 12:40
